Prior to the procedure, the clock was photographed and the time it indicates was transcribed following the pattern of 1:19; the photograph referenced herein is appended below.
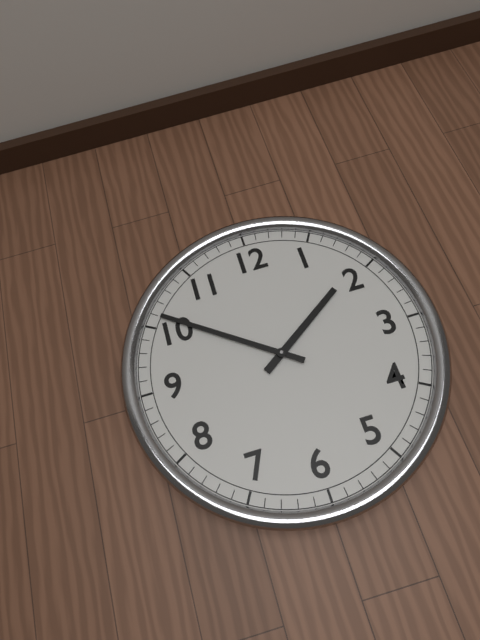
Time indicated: 1:51
